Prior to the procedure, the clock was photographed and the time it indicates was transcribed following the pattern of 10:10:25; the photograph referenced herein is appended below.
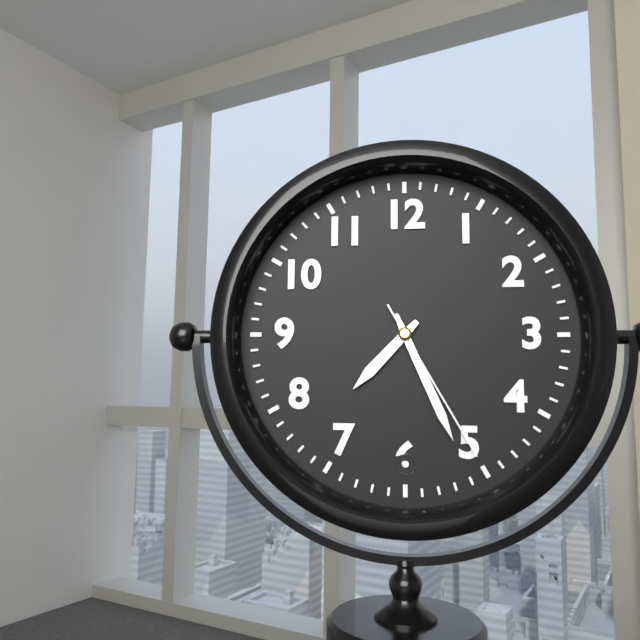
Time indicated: 7:26:25
